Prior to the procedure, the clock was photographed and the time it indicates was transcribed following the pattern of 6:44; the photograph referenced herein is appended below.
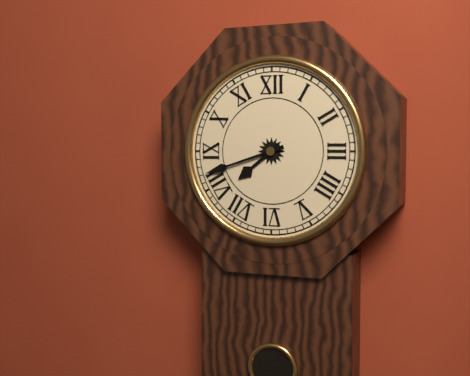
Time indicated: 7:42
